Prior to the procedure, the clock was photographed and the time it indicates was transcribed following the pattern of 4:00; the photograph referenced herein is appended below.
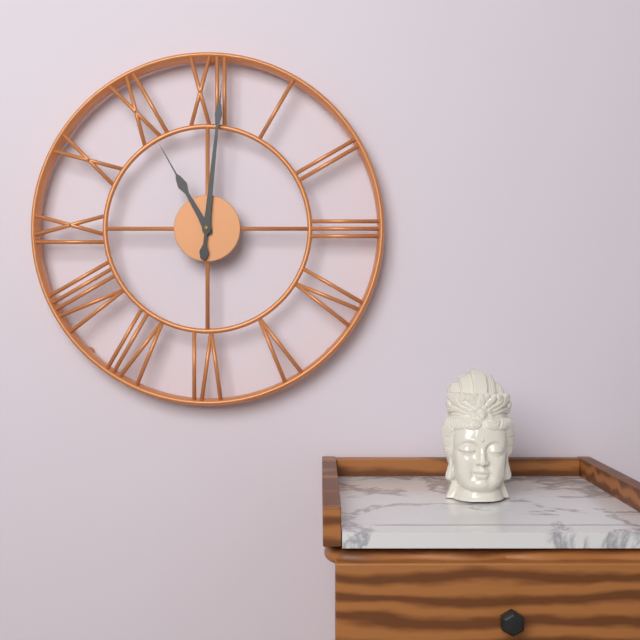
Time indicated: 11:01
